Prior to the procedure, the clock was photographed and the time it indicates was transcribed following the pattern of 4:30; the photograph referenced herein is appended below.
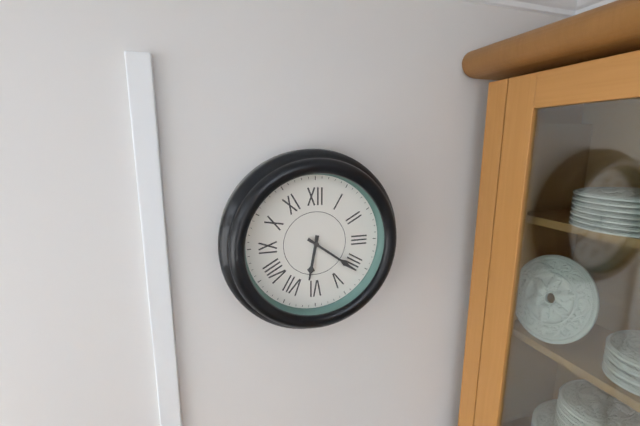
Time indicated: 6:21
